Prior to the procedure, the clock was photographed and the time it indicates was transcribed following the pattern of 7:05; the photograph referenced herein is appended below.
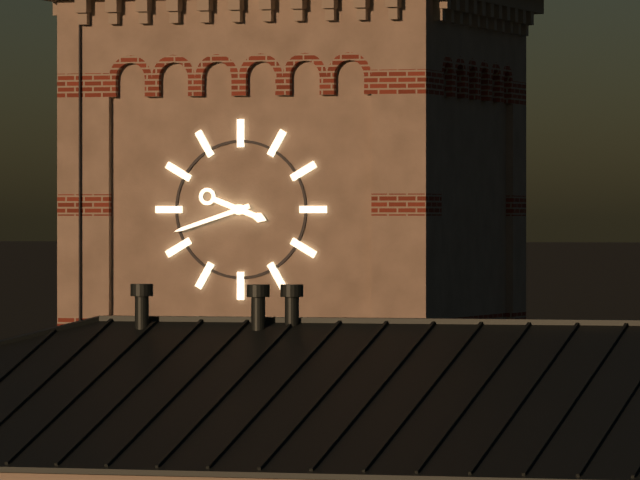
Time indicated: 3:42
